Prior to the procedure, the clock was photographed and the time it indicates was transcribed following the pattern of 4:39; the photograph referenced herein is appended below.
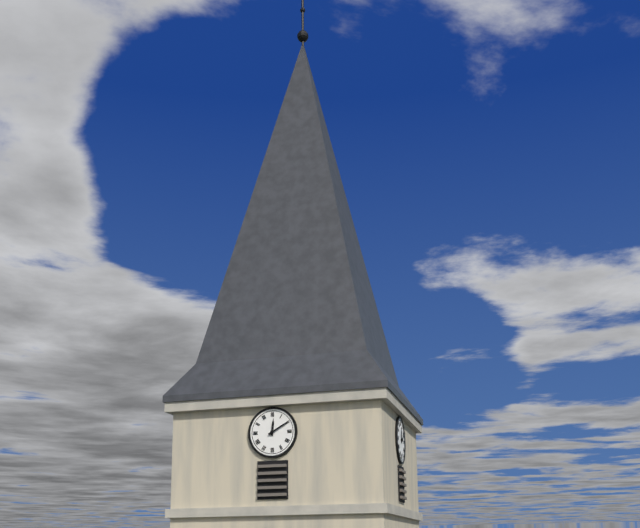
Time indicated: 12:10
